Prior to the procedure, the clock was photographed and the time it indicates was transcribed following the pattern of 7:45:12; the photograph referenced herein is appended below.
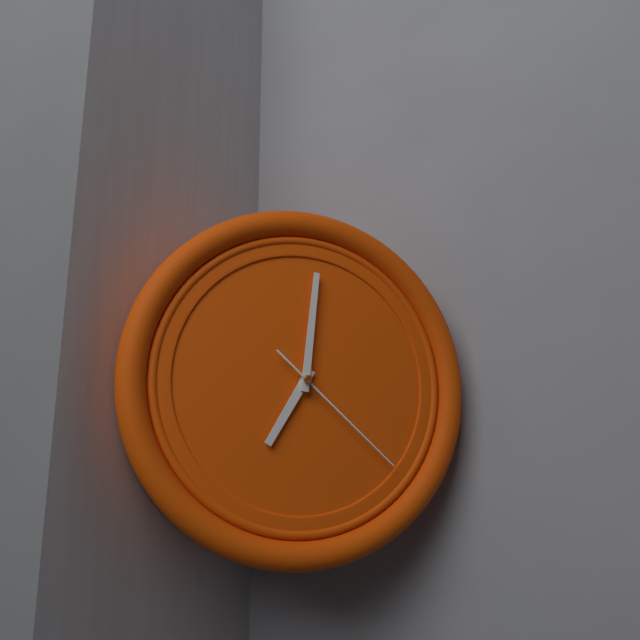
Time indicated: 7:01:22
